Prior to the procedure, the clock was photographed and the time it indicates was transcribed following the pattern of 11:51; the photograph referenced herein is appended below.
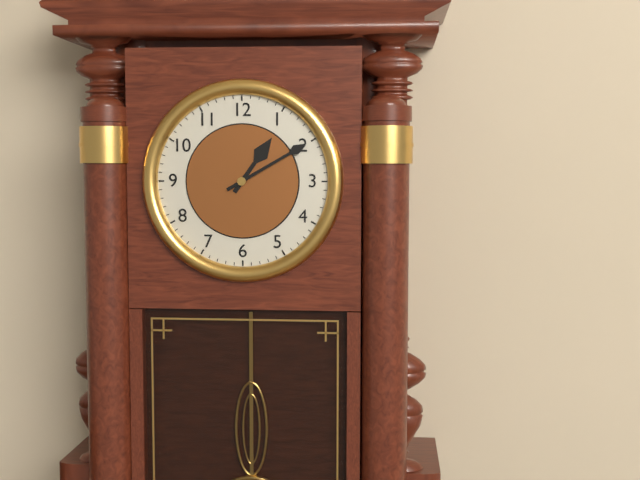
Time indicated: 1:10
